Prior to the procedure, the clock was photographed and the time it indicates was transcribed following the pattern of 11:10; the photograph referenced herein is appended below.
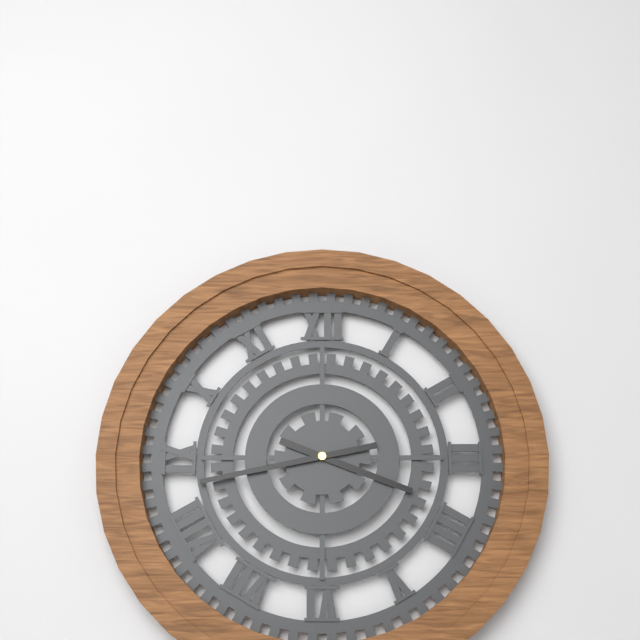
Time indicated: 3:43
